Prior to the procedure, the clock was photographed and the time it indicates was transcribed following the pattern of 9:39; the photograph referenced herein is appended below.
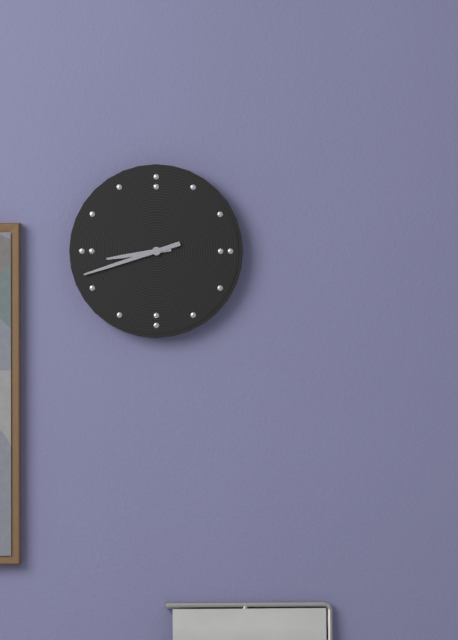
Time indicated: 8:42
